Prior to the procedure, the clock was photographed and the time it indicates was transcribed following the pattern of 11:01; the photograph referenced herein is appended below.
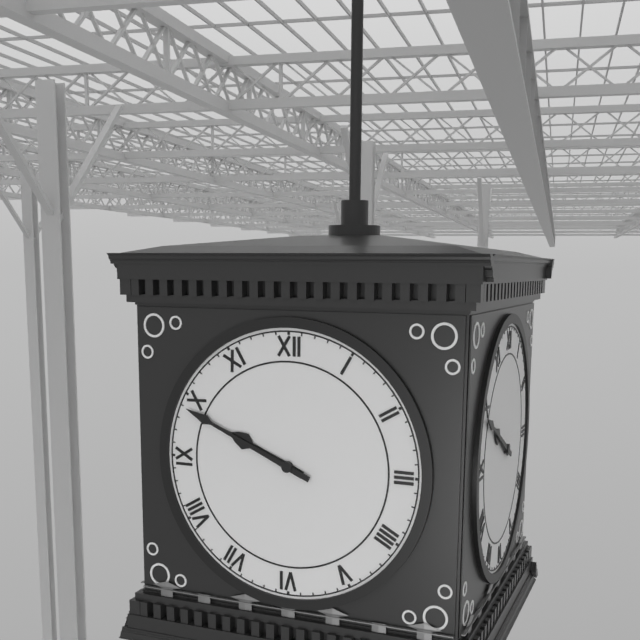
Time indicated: 9:49
